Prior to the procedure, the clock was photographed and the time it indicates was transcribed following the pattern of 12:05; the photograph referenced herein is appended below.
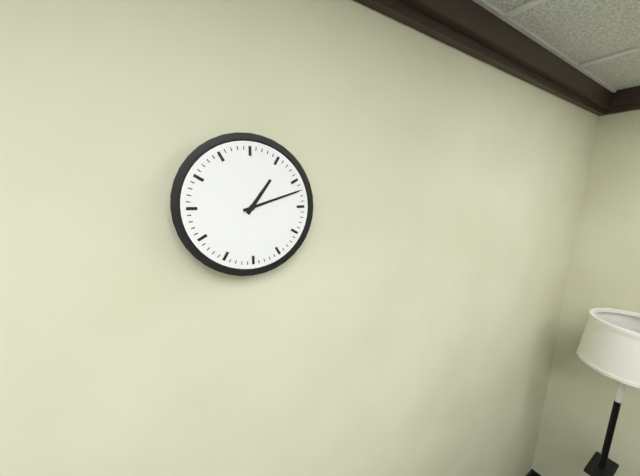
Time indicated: 1:12
